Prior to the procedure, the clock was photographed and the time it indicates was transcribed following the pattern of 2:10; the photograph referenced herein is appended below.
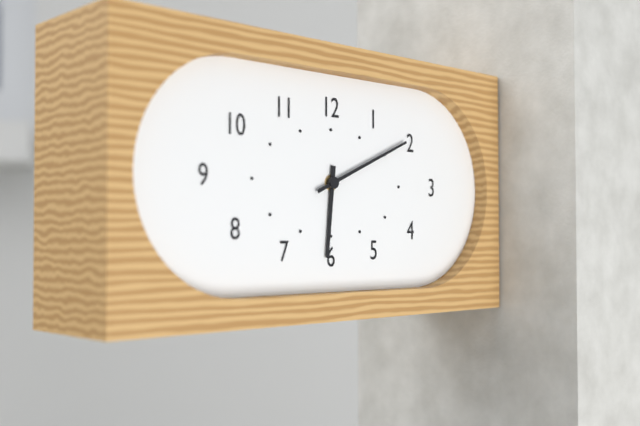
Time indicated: 6:11
